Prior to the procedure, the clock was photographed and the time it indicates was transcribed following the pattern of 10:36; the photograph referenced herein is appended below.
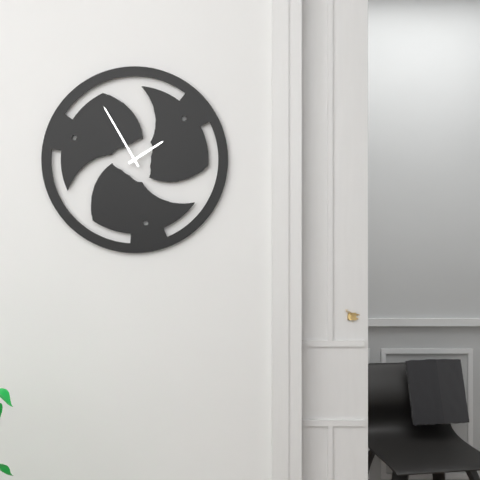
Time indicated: 1:55
